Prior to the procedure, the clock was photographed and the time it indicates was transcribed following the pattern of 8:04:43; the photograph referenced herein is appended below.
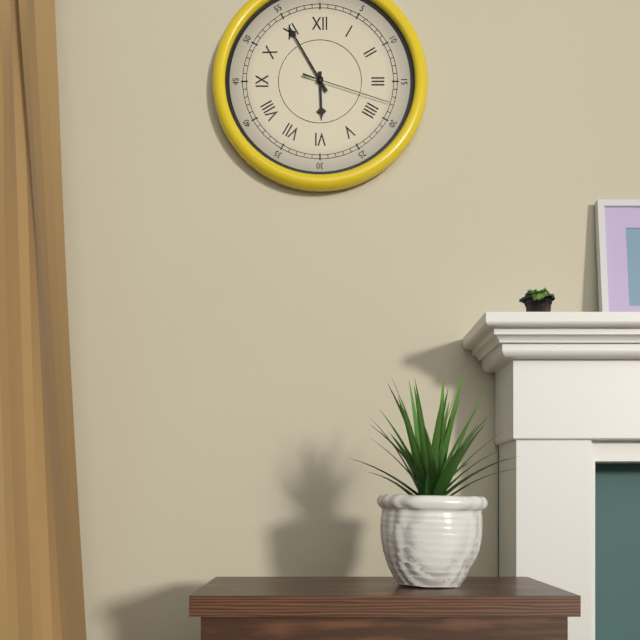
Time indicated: 5:55:18
